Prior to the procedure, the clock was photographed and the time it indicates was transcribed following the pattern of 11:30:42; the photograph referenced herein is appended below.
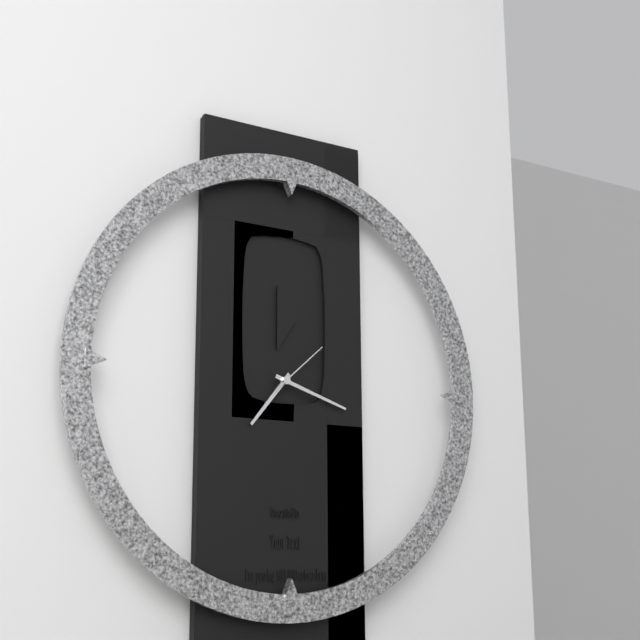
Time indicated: 7:18:08
